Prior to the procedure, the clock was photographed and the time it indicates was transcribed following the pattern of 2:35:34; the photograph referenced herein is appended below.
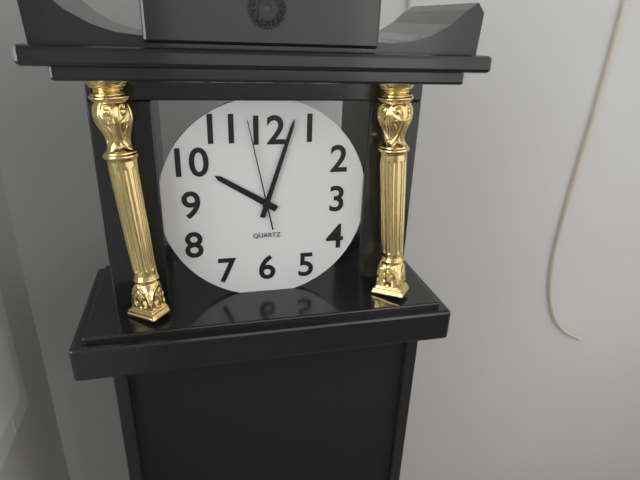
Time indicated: 10:03:58
